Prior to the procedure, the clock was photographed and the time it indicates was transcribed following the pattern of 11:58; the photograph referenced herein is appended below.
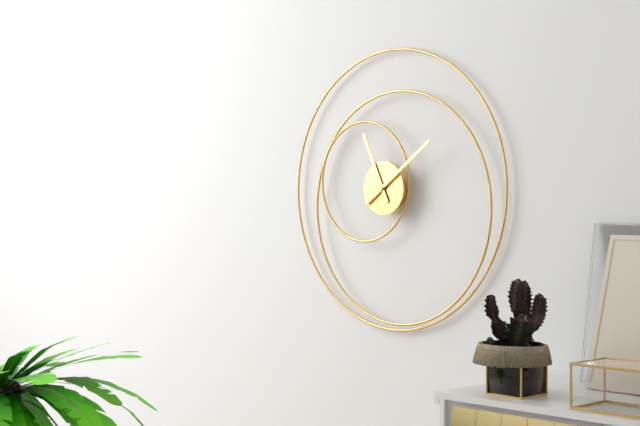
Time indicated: 11:09
